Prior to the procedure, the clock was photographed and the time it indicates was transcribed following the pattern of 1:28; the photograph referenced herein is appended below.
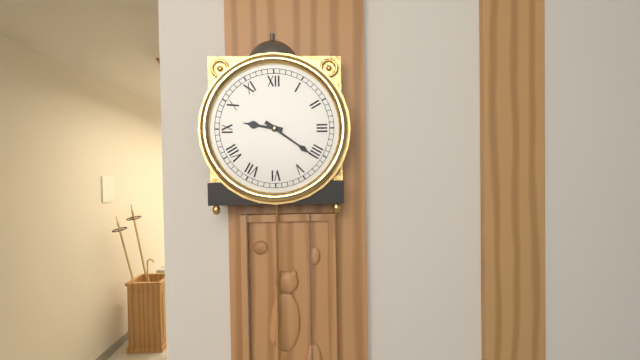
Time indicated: 9:21
